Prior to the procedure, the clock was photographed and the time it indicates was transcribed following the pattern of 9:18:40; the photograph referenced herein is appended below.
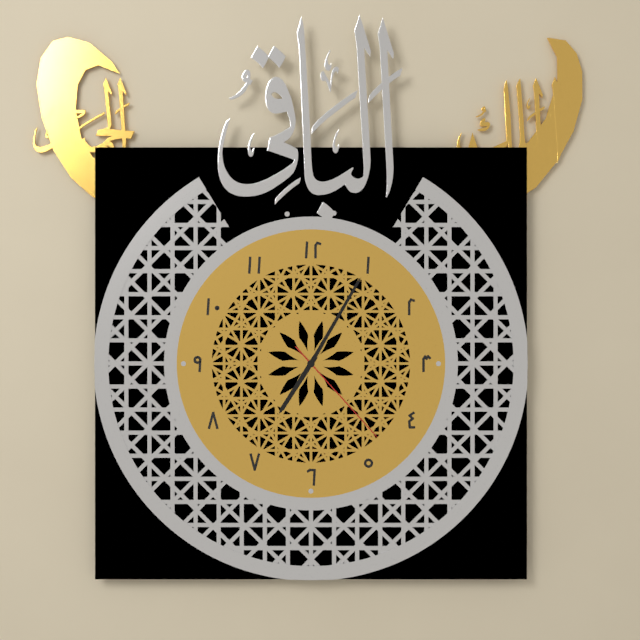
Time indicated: 7:05:23
